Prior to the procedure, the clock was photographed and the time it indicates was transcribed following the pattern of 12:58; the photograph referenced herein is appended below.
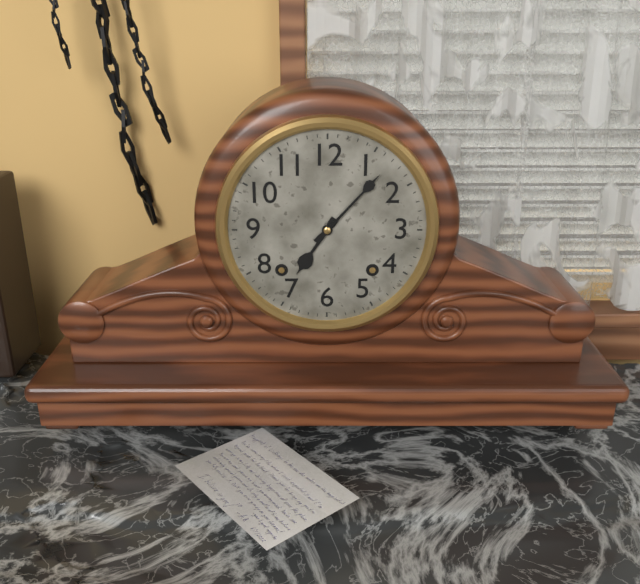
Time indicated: 7:07
